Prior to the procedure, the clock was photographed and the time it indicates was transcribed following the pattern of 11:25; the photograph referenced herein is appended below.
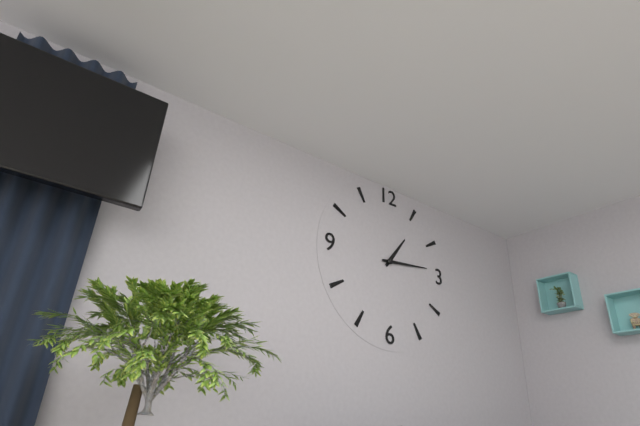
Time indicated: 1:14
